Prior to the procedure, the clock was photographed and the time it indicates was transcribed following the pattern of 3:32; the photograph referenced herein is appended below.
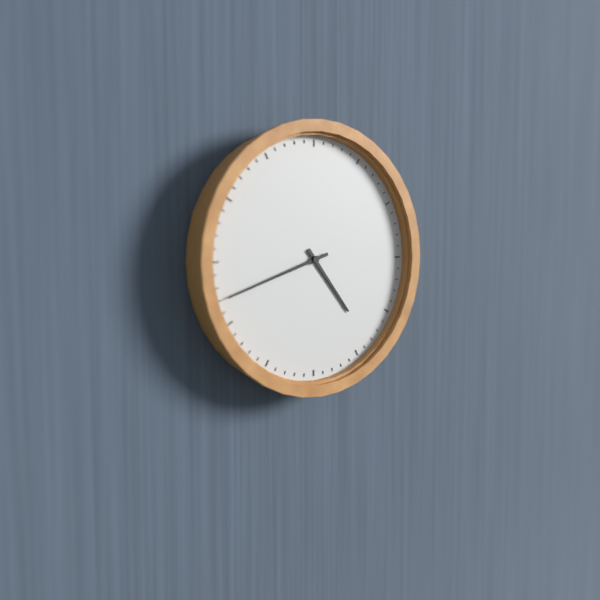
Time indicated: 4:42
